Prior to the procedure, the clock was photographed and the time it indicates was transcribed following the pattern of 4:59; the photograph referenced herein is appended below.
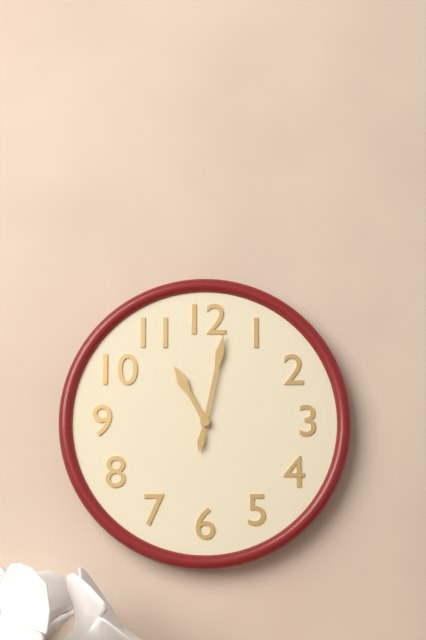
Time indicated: 11:02
